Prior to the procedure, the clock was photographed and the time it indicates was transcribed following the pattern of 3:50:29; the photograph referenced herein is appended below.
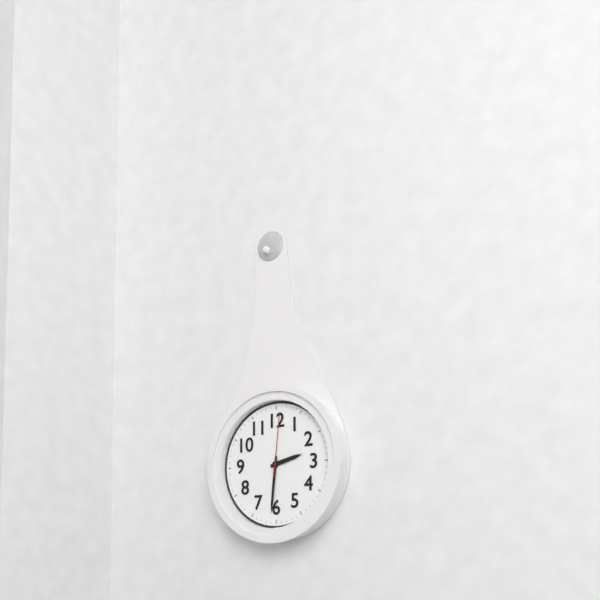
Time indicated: 2:31:01
